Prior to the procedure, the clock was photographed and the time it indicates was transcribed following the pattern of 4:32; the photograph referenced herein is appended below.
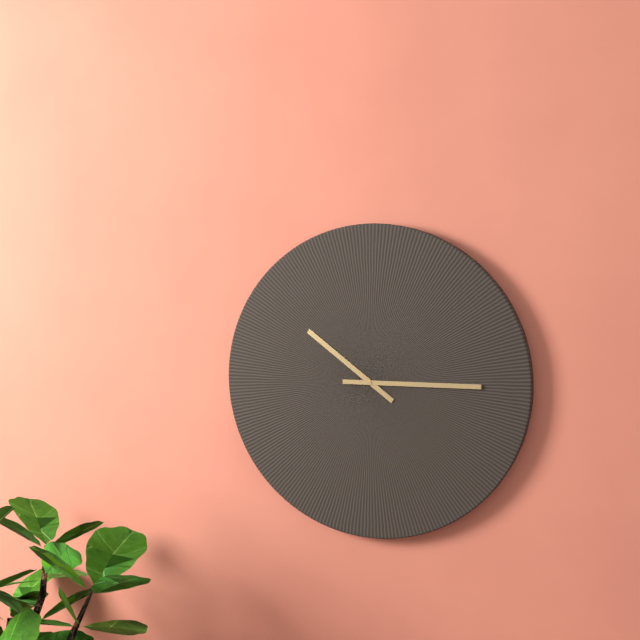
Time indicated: 10:15
